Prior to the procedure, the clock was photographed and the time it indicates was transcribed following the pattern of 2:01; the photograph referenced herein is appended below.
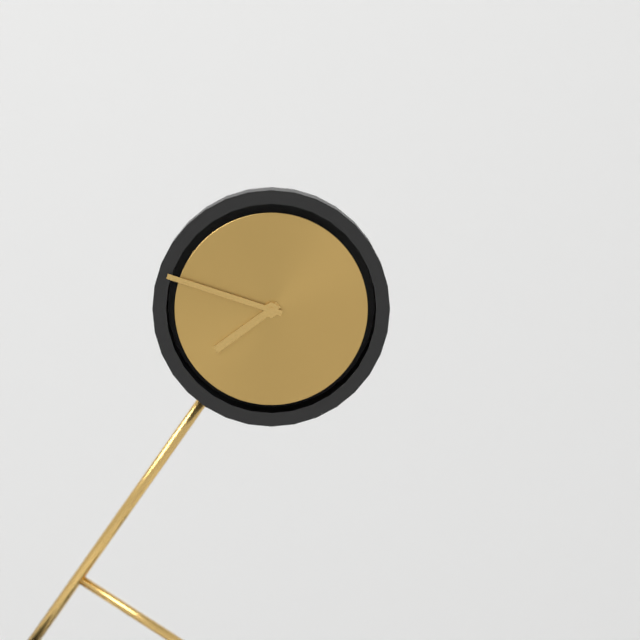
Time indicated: 7:48
